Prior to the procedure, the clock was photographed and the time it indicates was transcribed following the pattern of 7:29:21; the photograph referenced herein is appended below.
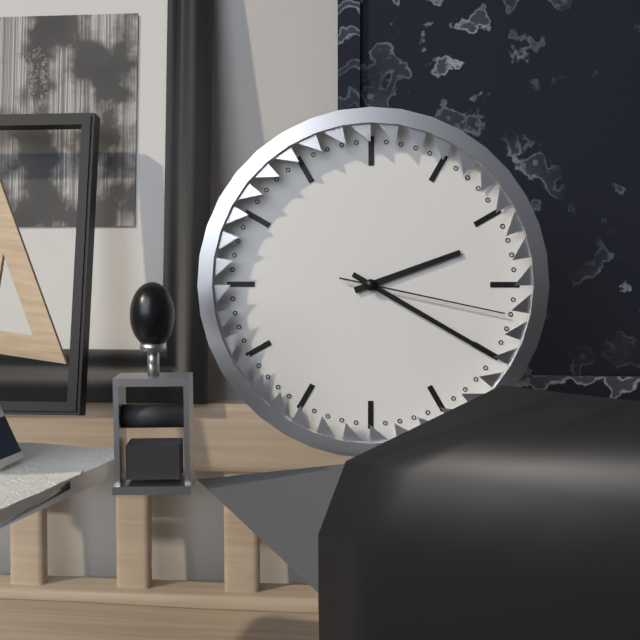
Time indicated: 2:20:17
